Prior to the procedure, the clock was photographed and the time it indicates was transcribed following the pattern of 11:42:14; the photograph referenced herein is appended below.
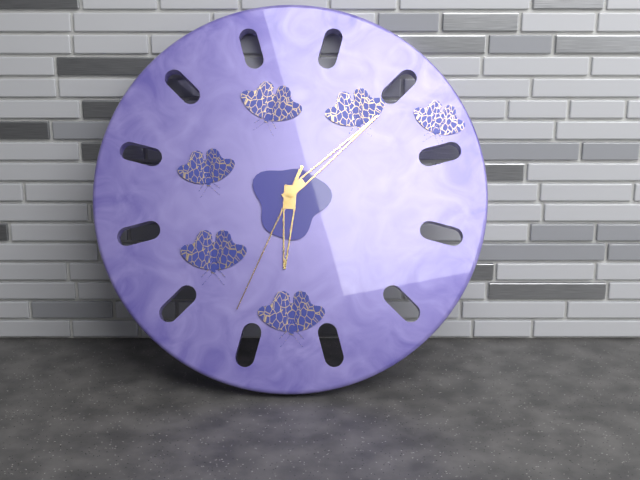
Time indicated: 6:08:34
